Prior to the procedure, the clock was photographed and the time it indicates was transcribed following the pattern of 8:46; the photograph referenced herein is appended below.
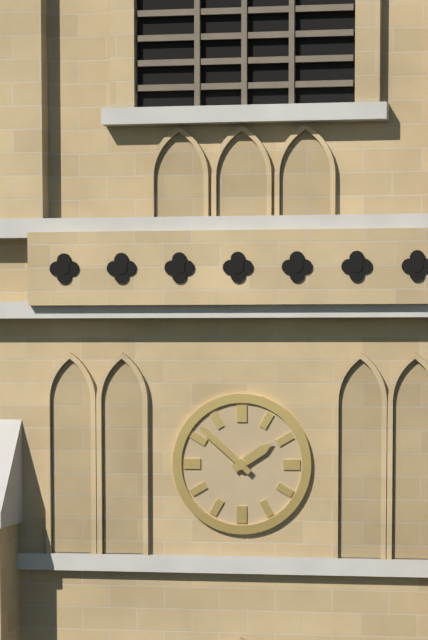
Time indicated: 1:52
